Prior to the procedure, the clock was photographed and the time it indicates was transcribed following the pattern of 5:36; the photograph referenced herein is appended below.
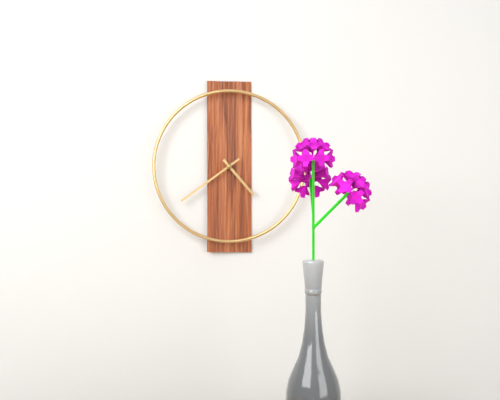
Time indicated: 4:39
